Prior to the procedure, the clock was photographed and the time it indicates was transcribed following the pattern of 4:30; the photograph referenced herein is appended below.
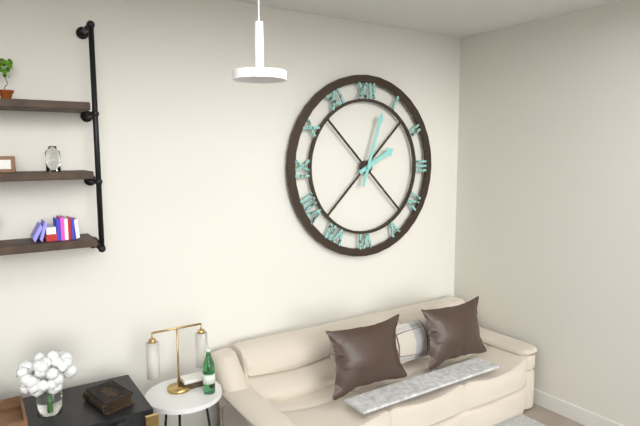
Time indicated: 2:03
